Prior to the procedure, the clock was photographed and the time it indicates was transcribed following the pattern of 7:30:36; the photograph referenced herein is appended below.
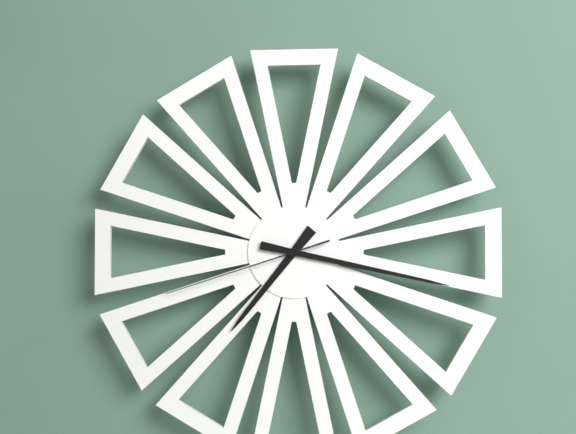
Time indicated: 7:17:42
